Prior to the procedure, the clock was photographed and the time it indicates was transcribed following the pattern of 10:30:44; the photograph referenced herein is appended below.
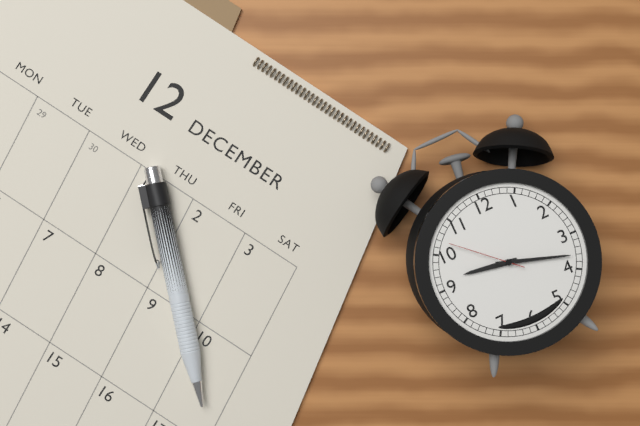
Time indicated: 9:18:52
